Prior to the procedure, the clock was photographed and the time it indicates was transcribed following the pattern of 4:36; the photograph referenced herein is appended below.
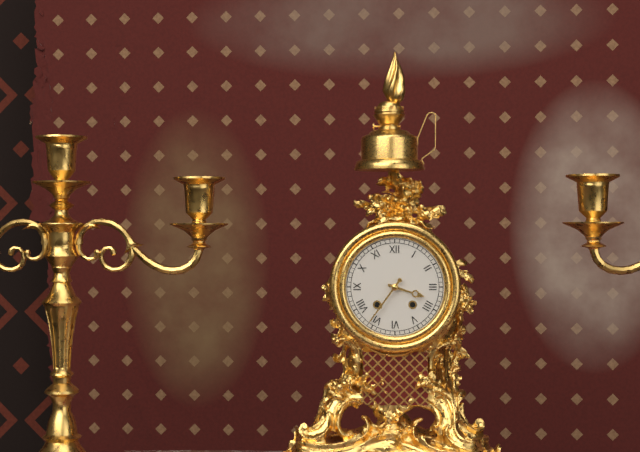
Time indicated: 3:36
